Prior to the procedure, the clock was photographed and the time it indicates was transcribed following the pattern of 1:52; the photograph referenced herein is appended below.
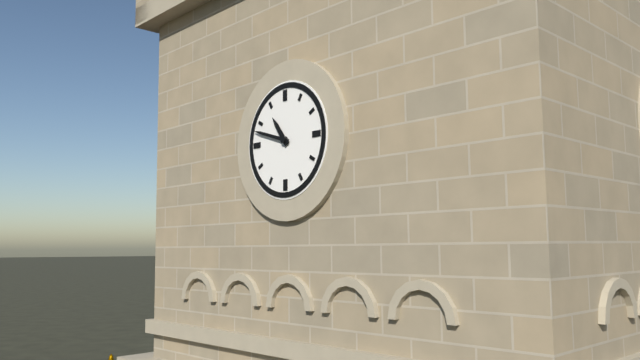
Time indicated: 10:48
